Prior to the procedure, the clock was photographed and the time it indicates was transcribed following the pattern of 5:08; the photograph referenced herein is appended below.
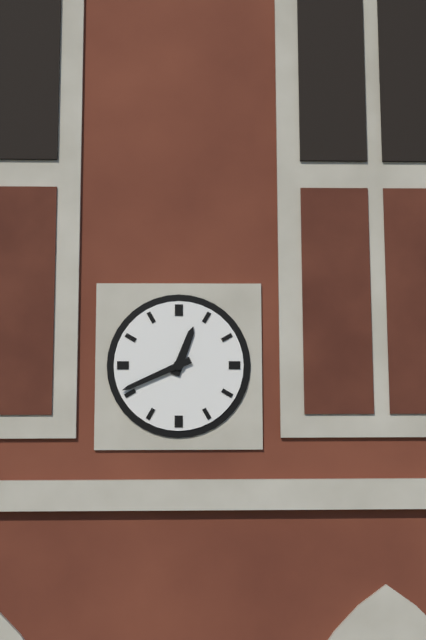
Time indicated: 12:41
